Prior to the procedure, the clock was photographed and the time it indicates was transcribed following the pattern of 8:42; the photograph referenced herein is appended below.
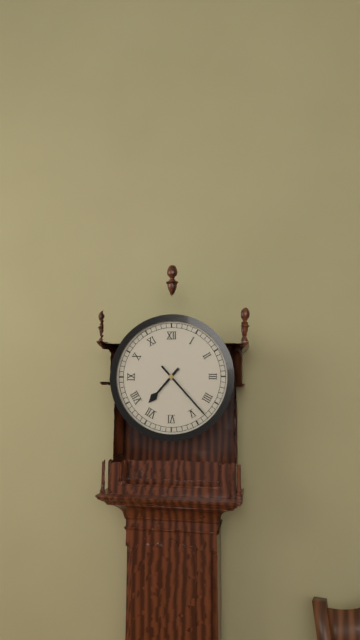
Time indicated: 7:23
